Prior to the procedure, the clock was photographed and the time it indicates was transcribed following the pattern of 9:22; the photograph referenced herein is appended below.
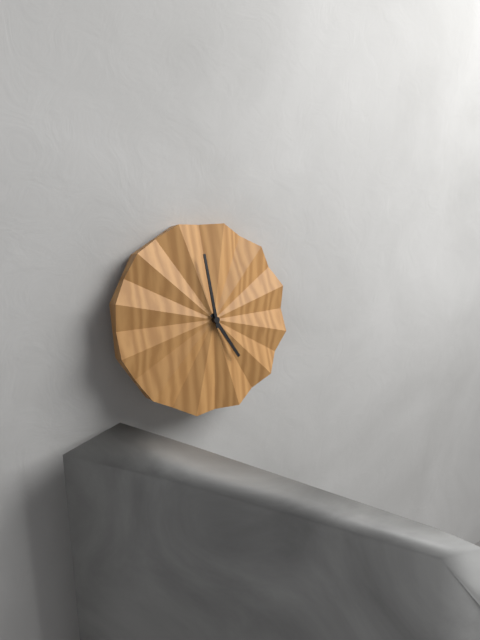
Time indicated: 4:59
